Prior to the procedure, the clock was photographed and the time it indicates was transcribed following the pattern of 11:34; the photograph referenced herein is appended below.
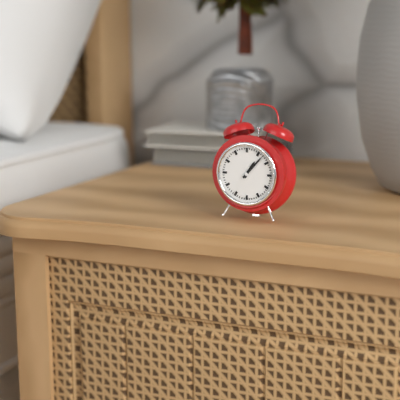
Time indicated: 1:07
